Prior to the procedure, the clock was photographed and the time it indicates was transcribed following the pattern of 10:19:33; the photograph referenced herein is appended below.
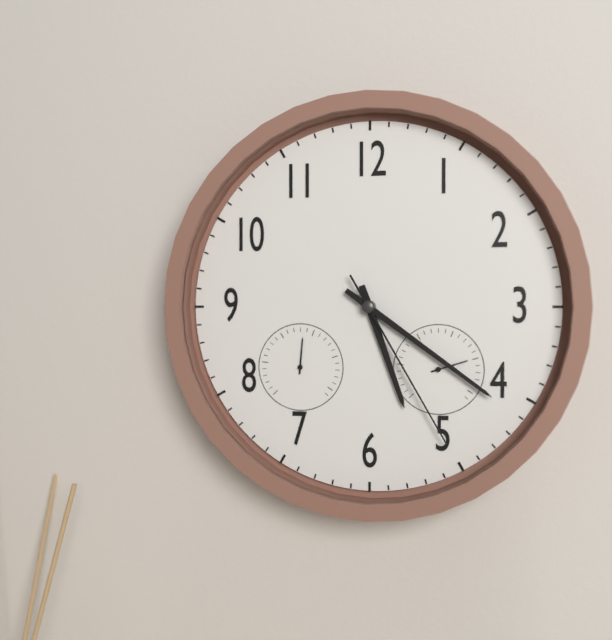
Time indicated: 5:21:25
